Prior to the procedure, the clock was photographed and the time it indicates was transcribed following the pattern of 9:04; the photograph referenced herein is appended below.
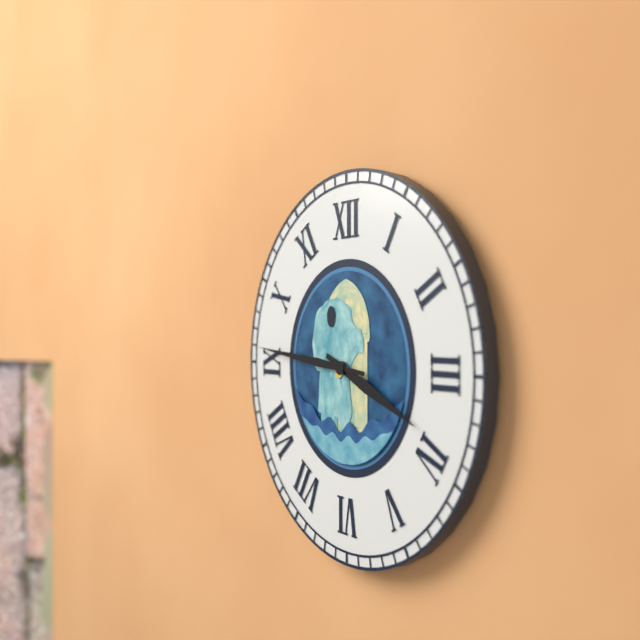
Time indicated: 3:46
